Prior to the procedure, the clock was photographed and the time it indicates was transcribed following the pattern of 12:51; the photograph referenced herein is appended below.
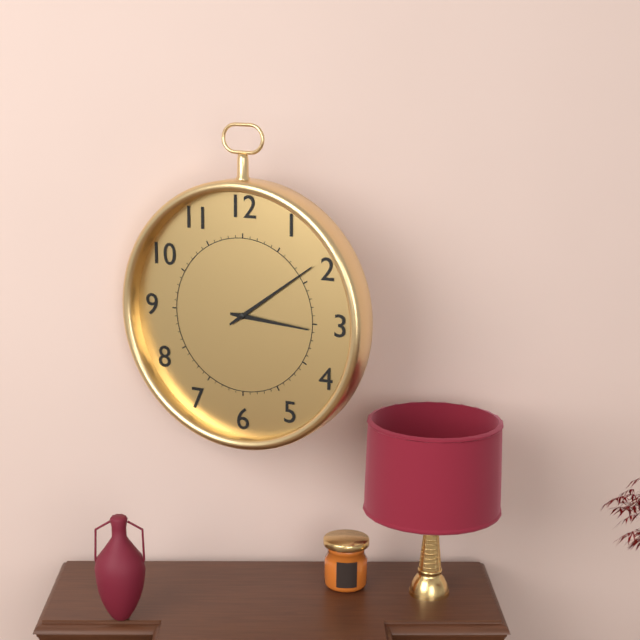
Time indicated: 3:09
